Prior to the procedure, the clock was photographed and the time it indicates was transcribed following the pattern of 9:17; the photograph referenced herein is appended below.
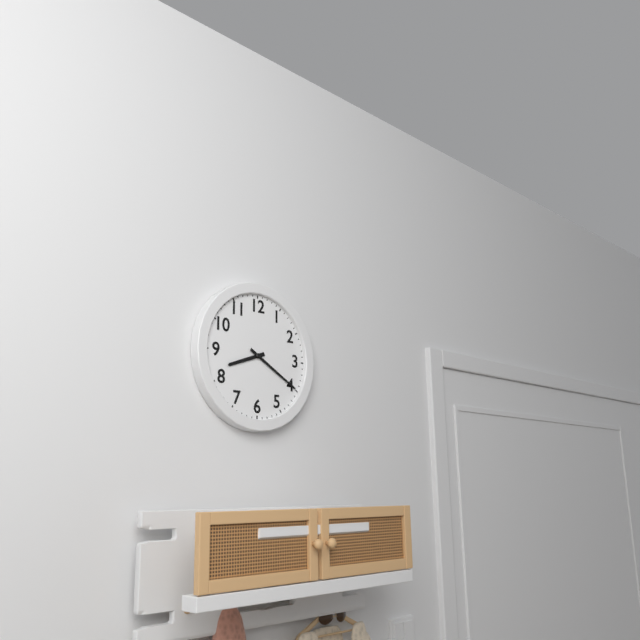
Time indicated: 8:20
